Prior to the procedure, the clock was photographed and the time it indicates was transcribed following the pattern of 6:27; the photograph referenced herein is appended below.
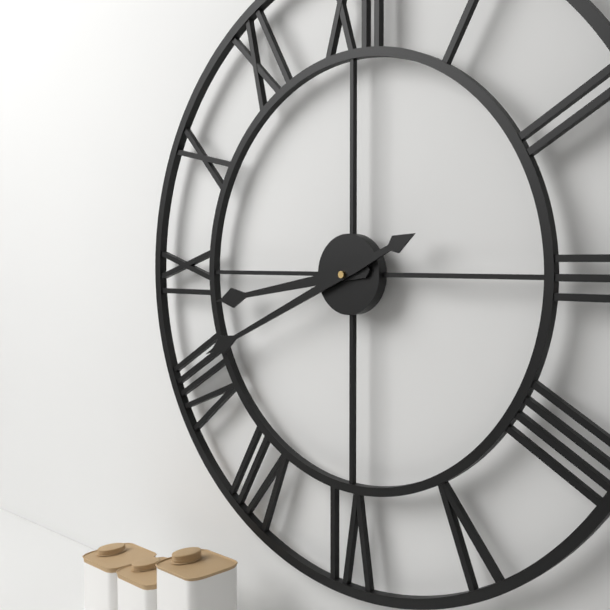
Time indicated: 8:41
